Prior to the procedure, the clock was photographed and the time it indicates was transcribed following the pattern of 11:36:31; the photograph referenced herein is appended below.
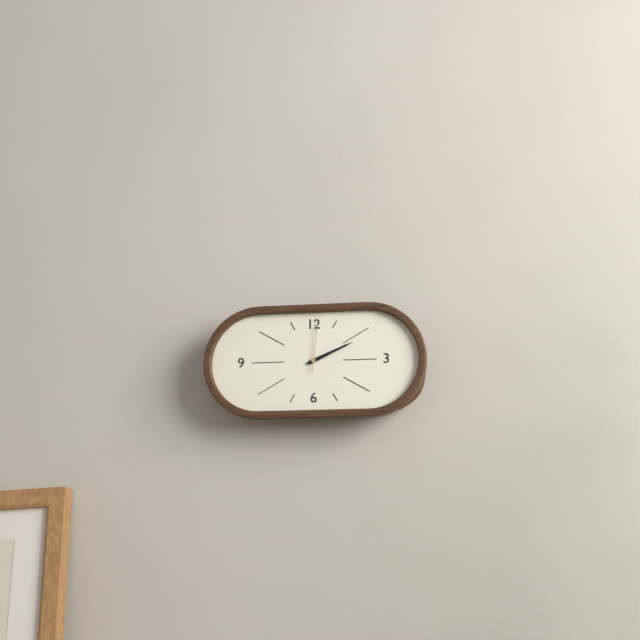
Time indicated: 2:11:01
